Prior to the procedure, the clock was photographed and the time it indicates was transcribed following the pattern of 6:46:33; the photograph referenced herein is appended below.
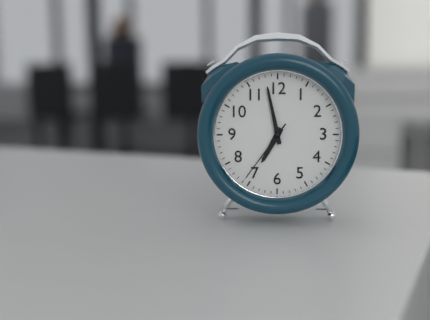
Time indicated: 6:58:36
